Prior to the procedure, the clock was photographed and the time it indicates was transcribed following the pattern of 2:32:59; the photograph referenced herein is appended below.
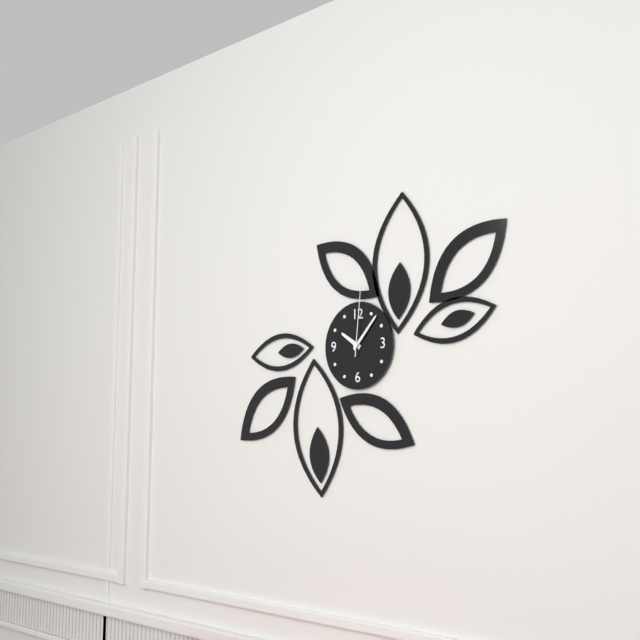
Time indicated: 10:07:01
